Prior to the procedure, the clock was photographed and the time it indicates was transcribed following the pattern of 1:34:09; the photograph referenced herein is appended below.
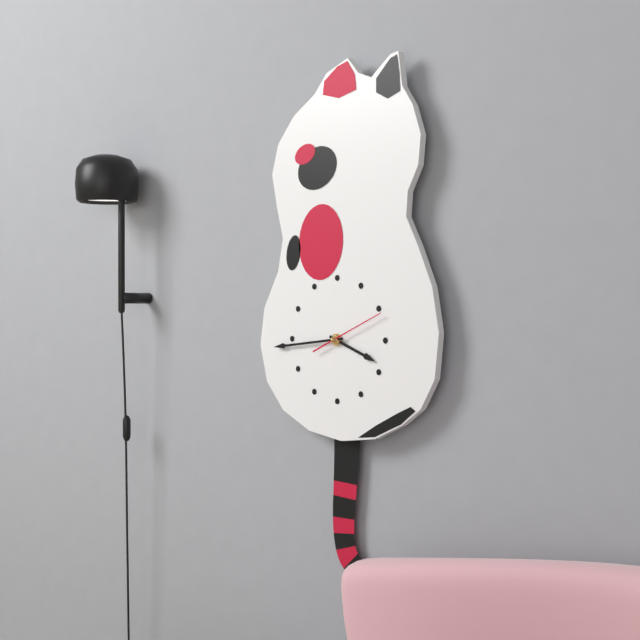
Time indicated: 3:44:11
